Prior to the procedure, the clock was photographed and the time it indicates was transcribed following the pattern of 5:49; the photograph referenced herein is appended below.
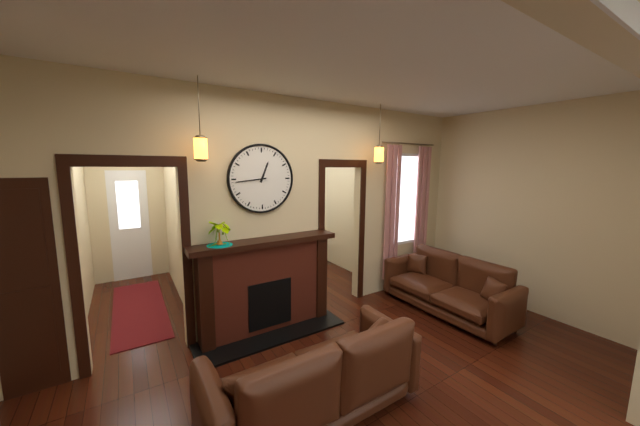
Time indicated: 12:44
